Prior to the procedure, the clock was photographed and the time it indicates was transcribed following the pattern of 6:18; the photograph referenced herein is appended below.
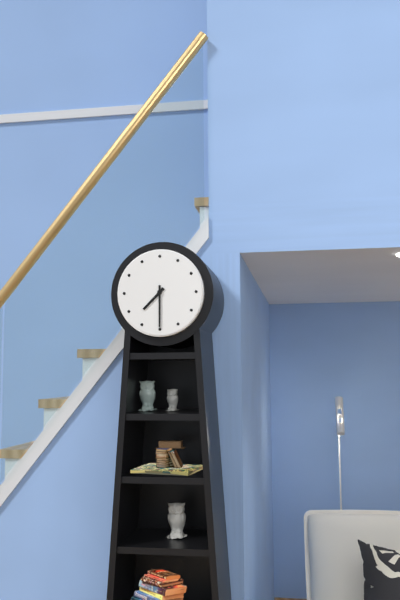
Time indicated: 7:30
